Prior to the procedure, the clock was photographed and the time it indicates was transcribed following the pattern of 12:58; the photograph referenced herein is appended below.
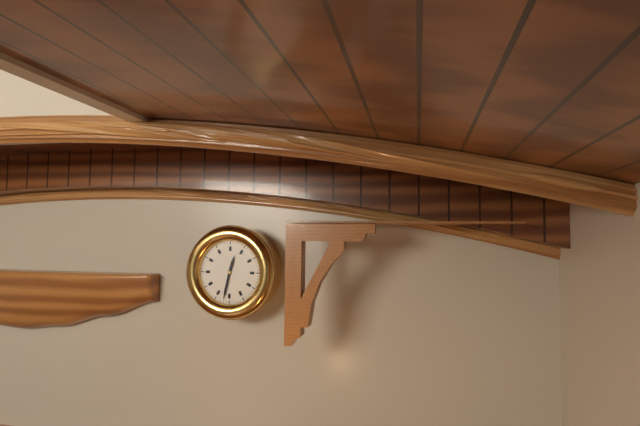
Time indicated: 12:32
